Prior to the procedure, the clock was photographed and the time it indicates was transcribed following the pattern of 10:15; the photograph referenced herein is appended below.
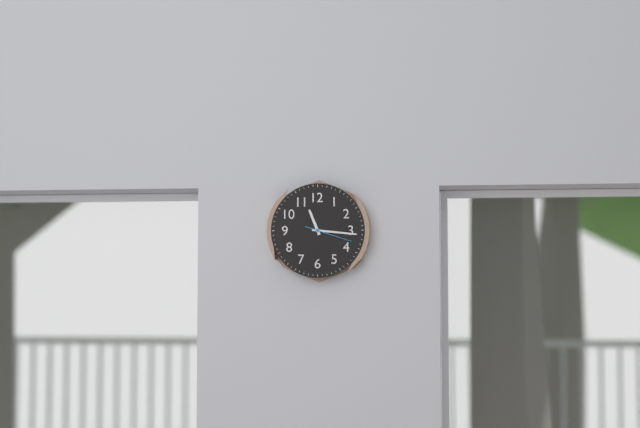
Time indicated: 11:16
